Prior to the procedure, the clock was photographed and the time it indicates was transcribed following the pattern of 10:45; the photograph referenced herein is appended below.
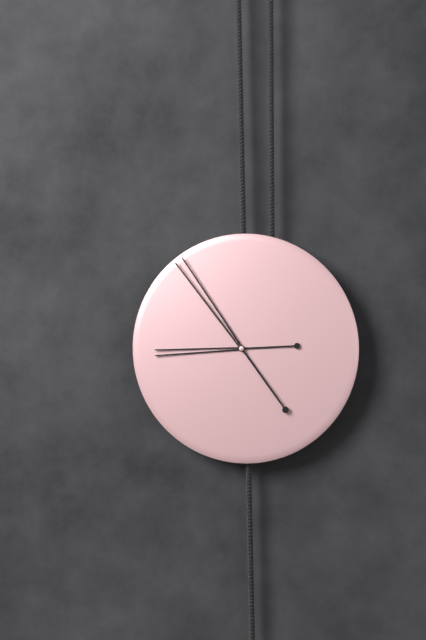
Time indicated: 8:54
